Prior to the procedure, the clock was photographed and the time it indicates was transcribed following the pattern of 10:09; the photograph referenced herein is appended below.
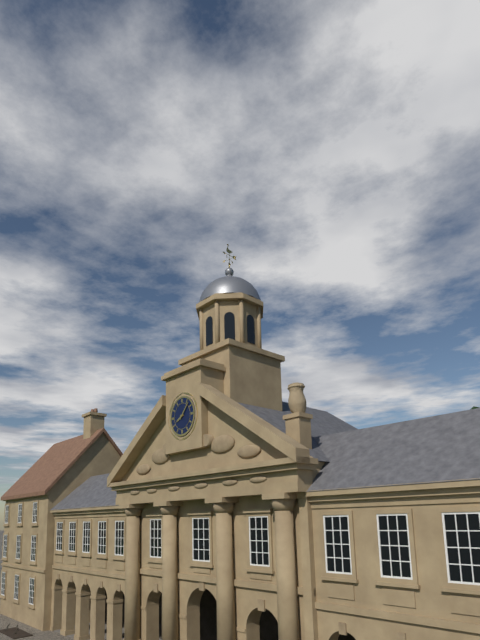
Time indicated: 8:07
